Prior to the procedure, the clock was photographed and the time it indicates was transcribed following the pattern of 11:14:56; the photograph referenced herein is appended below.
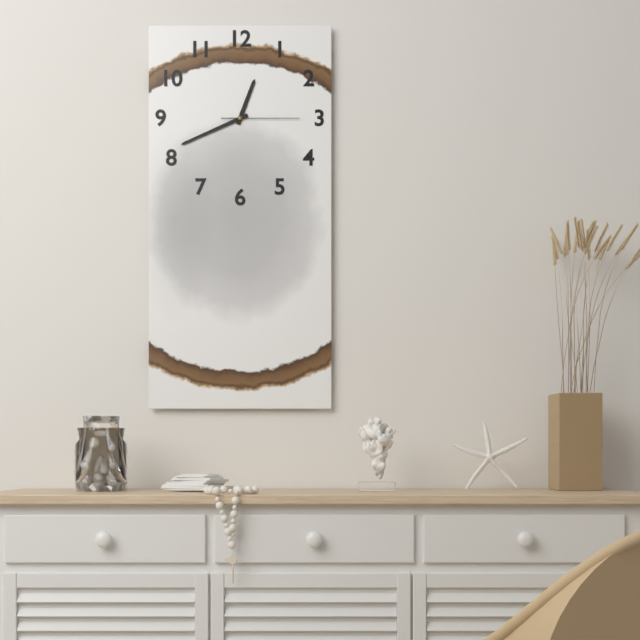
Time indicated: 12:41:15
